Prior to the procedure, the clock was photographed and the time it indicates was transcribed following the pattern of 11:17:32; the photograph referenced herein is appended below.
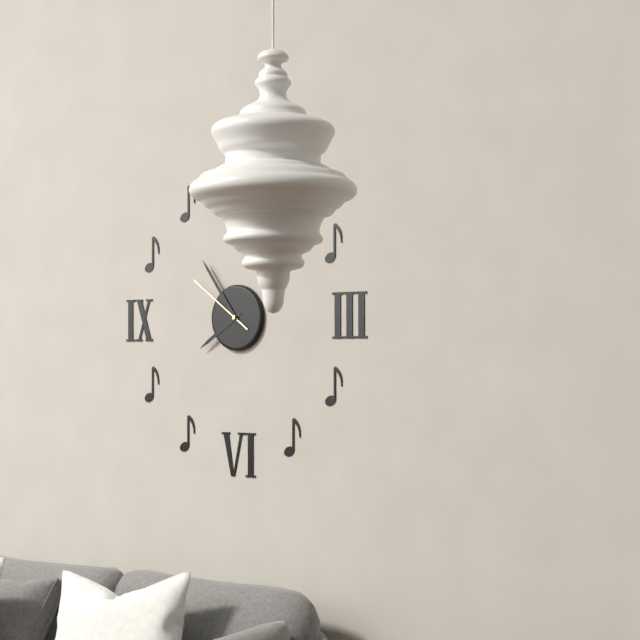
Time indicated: 7:54:51
